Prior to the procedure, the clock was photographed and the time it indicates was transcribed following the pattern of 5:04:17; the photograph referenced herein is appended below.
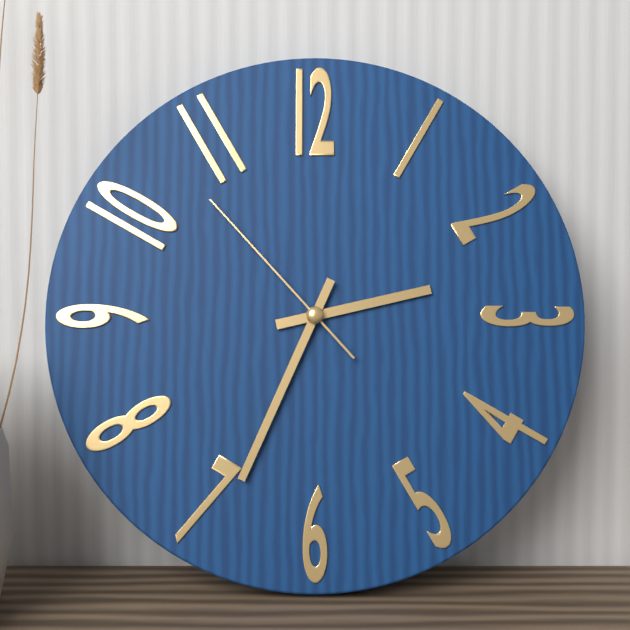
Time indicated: 2:34:53
